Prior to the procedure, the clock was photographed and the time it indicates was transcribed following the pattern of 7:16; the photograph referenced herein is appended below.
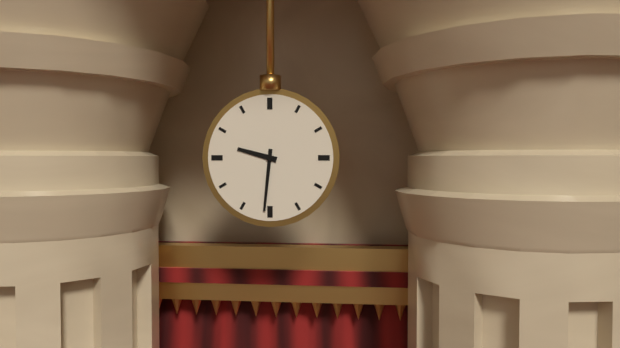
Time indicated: 9:31
